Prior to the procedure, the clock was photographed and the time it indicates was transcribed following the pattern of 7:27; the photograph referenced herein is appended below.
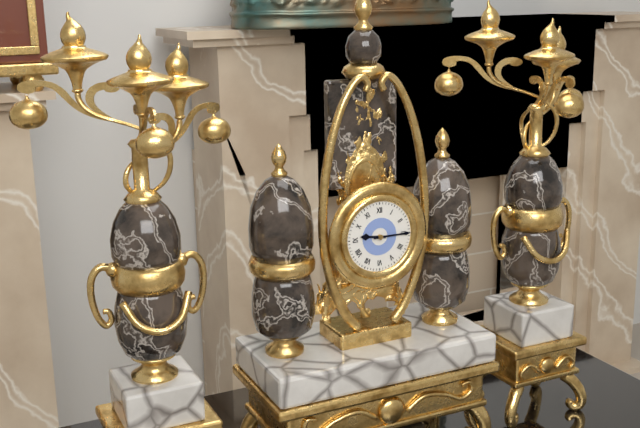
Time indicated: 9:15
